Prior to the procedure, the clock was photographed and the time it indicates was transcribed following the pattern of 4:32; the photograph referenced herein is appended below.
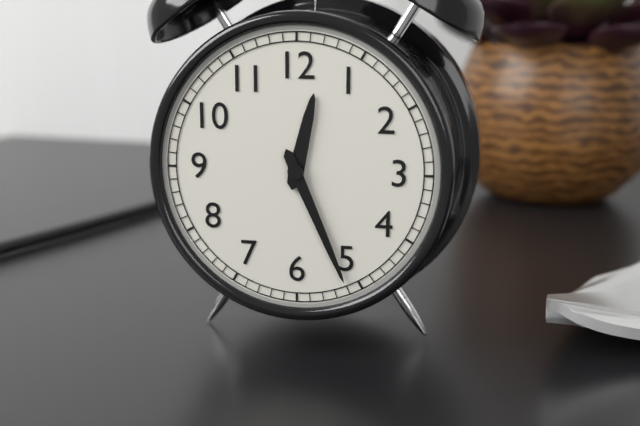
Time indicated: 12:26
